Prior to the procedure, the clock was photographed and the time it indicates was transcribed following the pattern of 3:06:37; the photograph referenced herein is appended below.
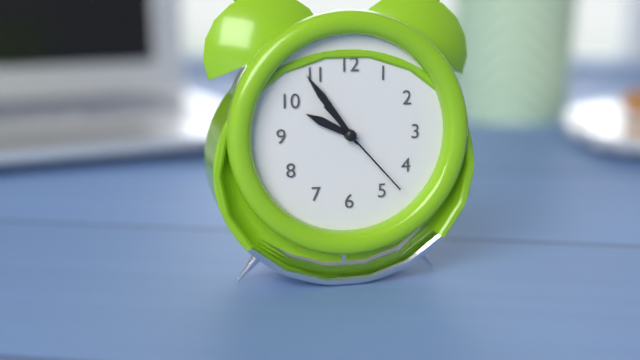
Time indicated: 9:54:23
